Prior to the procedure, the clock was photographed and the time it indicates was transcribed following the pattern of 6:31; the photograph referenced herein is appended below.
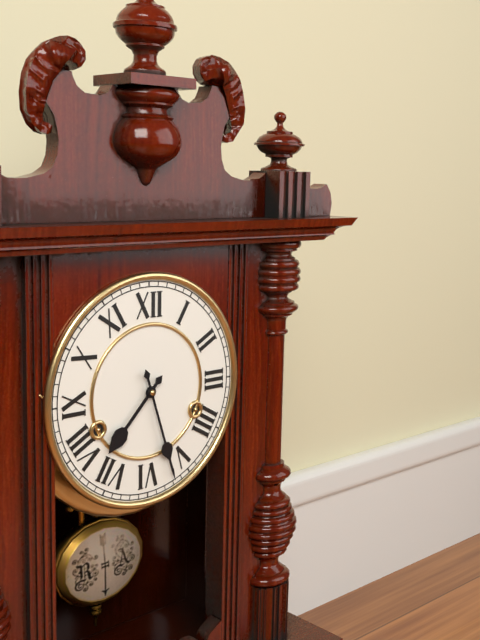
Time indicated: 7:27
